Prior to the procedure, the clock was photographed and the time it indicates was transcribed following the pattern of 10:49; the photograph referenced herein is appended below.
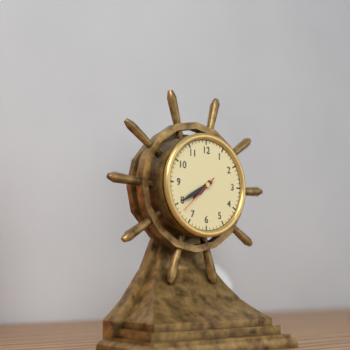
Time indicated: 7:40
